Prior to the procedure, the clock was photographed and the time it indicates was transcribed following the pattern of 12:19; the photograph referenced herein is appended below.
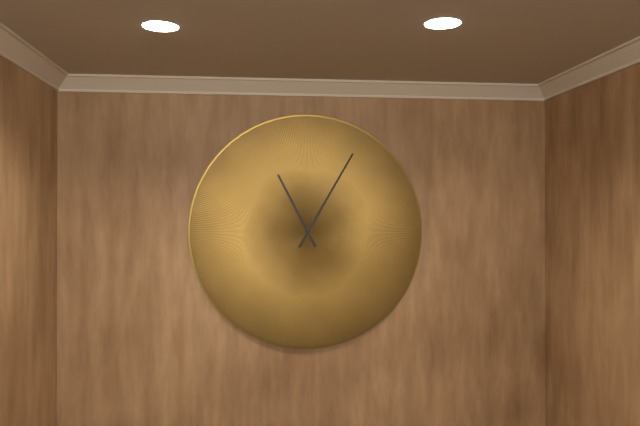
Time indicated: 11:05
